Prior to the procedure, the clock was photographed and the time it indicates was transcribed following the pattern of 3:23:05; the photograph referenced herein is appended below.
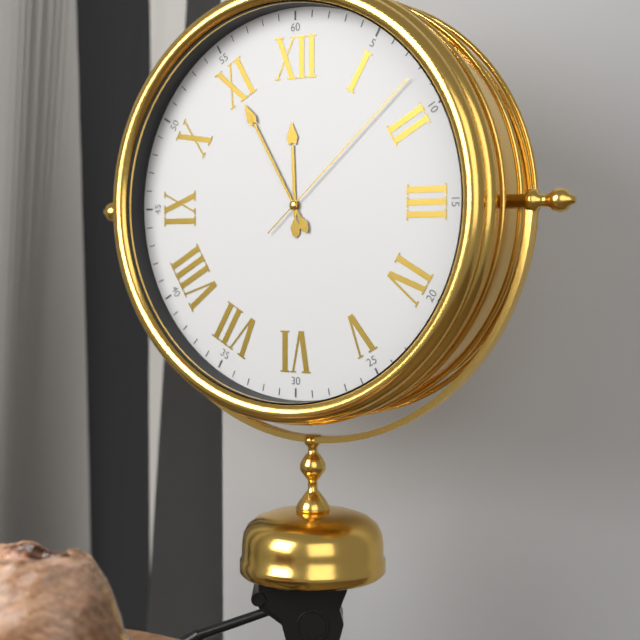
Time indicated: 11:55:08
